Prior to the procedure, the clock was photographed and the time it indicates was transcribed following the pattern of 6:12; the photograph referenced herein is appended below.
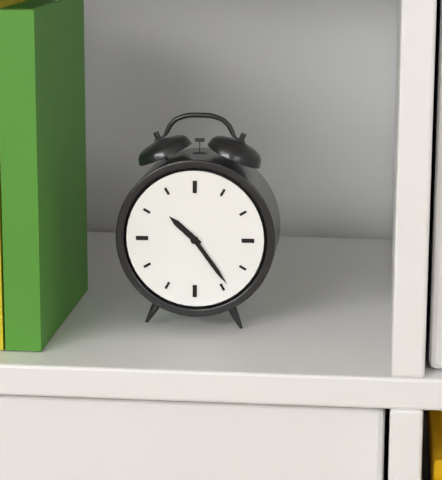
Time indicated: 10:24
